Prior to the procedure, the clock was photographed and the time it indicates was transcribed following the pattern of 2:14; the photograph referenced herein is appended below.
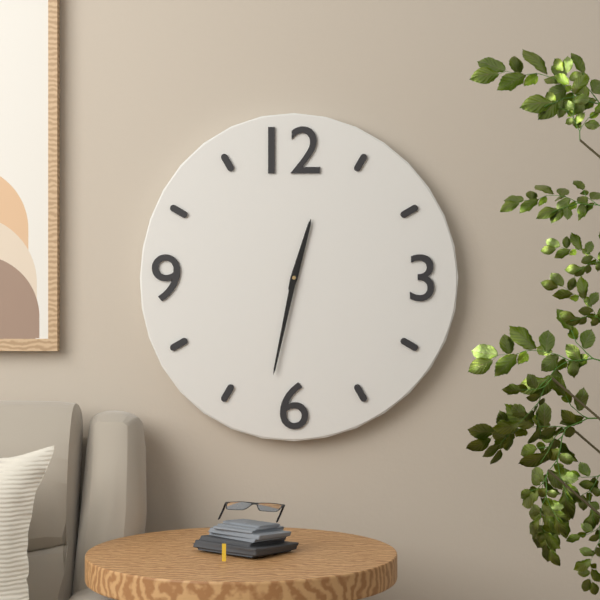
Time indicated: 12:32
